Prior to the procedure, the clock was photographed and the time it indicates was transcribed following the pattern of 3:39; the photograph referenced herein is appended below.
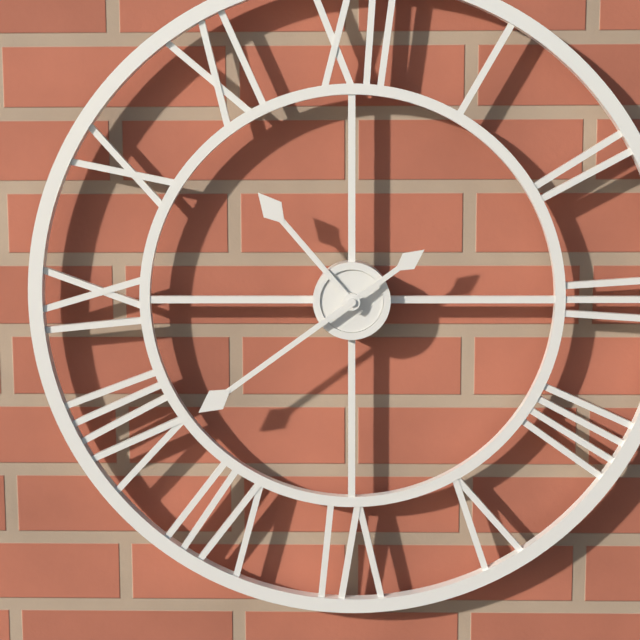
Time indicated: 10:39
